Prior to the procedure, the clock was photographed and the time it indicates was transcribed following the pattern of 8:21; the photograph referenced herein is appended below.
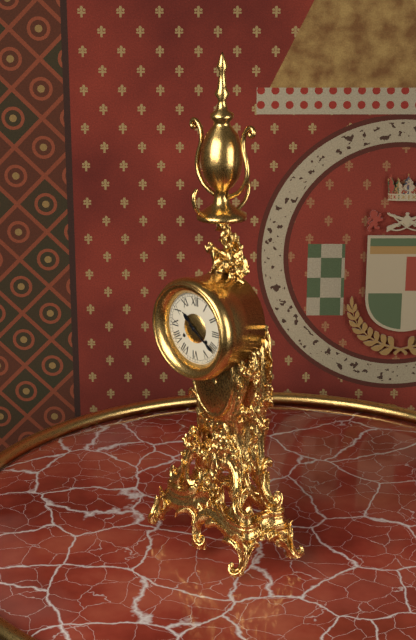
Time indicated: 10:21
